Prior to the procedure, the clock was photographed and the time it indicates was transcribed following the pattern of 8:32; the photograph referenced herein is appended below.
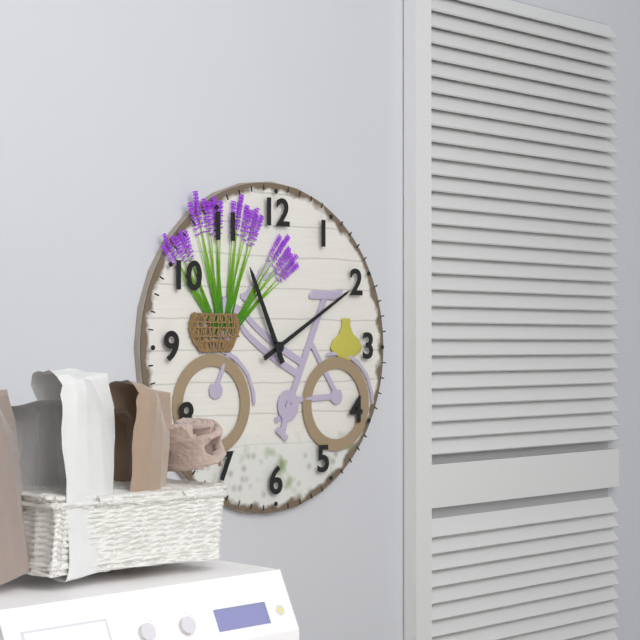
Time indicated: 11:10
